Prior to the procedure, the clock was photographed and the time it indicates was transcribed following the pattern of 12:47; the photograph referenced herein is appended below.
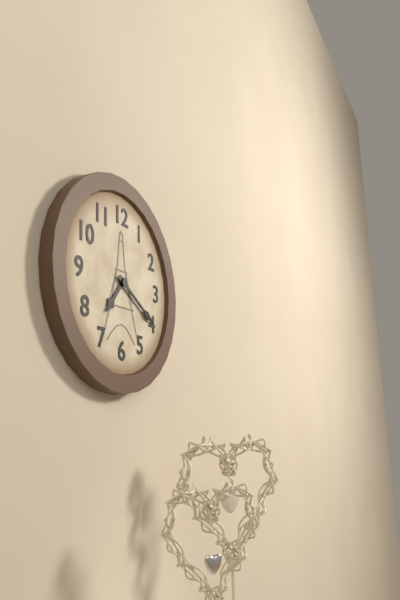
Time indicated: 7:20
